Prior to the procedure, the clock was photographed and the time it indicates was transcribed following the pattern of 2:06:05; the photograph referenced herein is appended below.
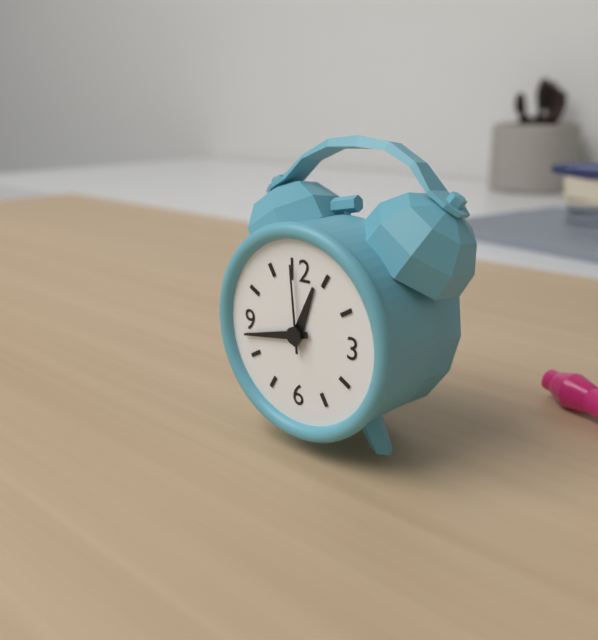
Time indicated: 12:43:59
